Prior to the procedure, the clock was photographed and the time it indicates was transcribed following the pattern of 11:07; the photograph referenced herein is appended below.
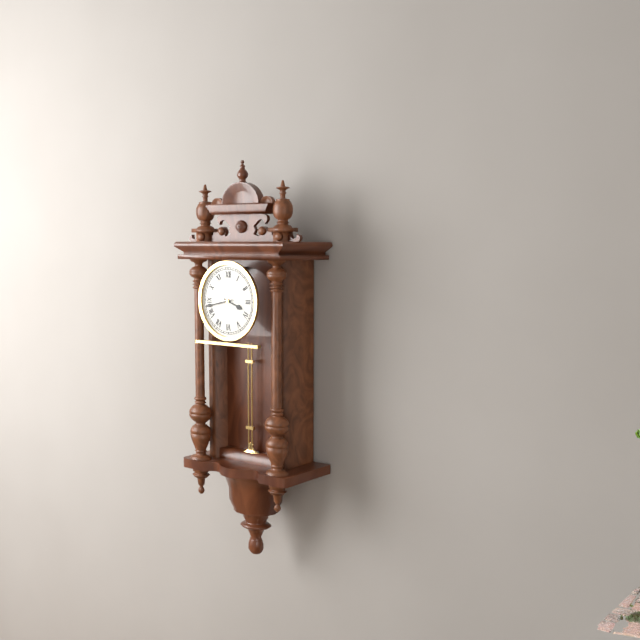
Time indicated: 3:43
